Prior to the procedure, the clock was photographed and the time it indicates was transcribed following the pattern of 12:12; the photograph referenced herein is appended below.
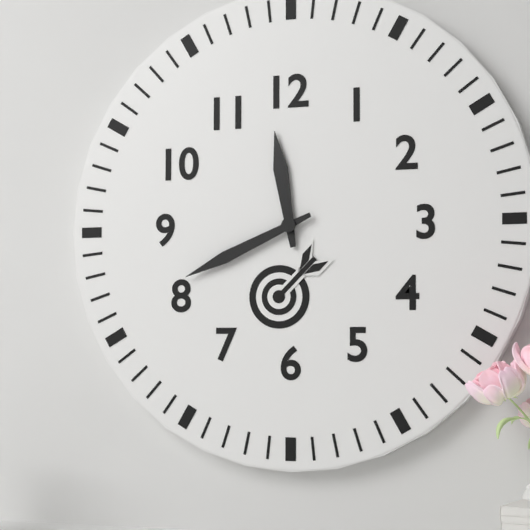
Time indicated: 11:41
